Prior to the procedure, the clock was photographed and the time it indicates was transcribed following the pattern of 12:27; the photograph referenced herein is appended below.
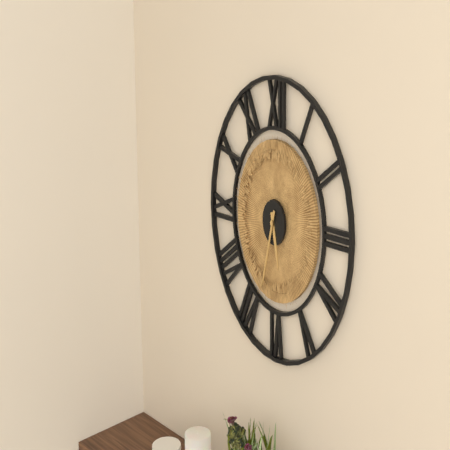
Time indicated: 5:33
